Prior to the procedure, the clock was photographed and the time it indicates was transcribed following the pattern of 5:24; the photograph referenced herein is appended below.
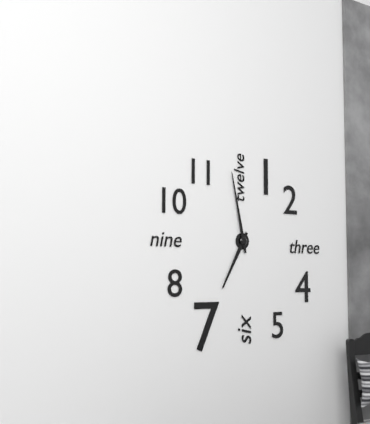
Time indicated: 6:58
